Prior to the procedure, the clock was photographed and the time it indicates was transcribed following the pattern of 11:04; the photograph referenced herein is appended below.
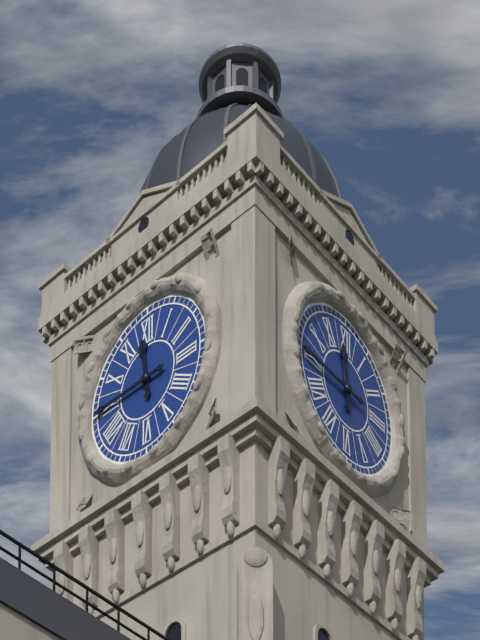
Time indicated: 11:45
